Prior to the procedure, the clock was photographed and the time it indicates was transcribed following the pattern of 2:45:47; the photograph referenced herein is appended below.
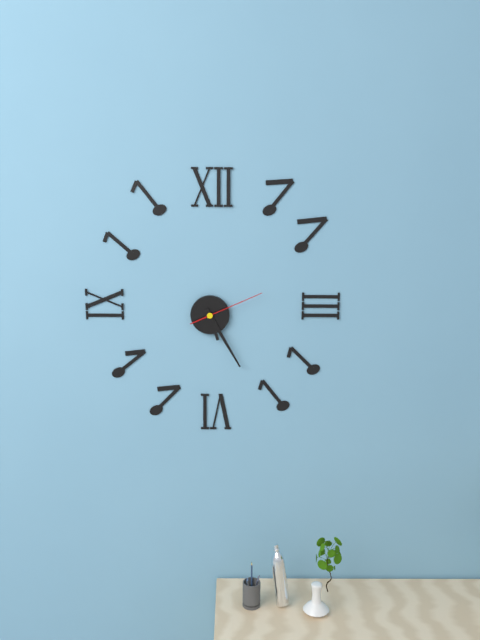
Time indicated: 5:25:11
